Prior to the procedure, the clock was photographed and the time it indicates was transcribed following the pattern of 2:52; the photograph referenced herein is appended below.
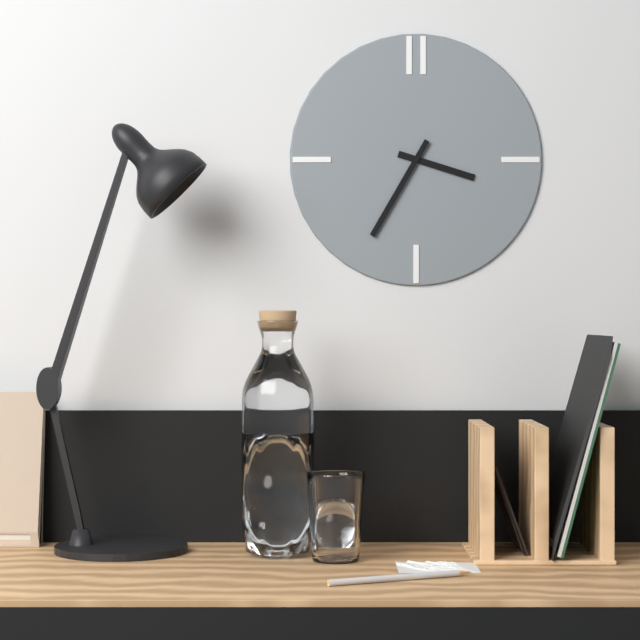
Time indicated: 3:35
